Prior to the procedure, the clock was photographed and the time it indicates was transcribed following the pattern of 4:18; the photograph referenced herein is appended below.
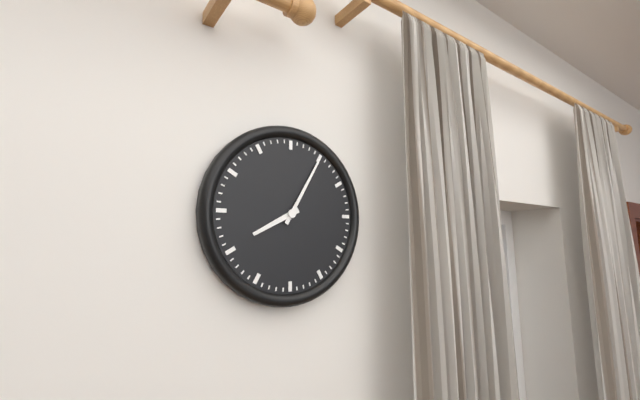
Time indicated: 8:05
